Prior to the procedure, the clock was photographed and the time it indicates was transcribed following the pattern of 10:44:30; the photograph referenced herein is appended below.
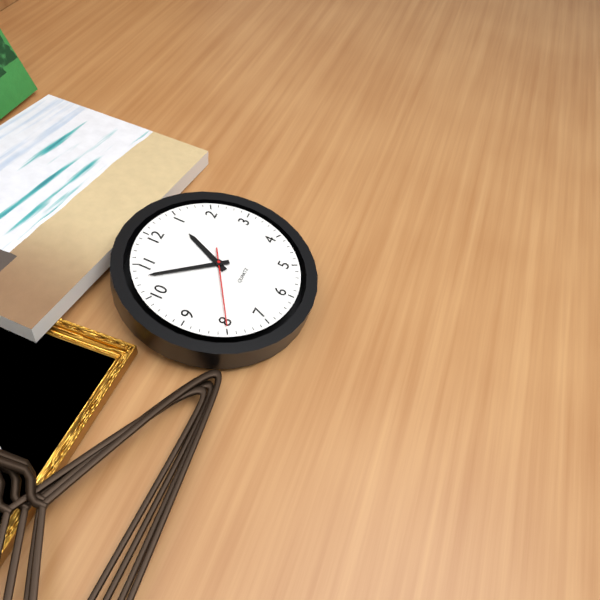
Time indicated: 12:53:40
